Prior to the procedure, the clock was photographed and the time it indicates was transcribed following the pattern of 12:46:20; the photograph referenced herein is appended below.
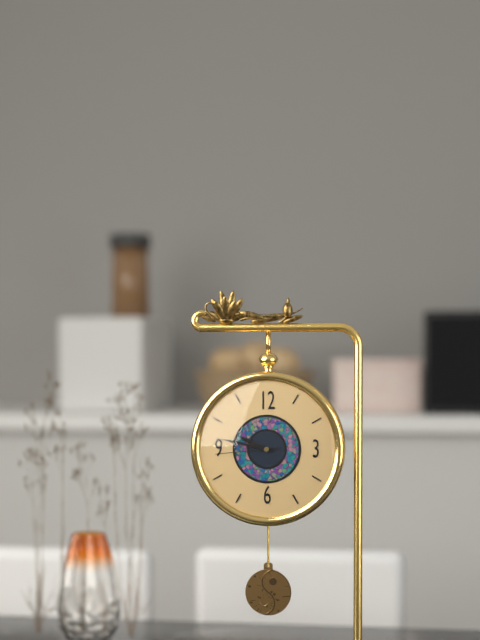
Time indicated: 9:47:44
